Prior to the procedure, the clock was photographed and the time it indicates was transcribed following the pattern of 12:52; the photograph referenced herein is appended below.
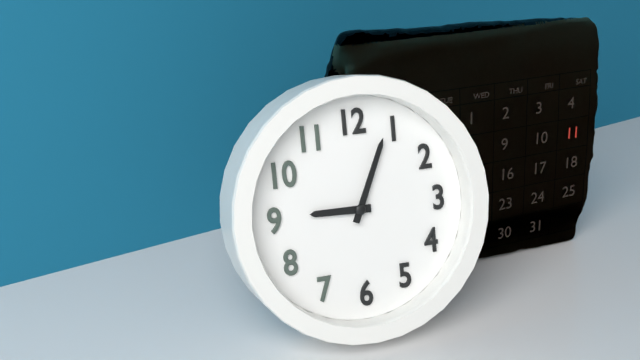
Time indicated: 9:04
